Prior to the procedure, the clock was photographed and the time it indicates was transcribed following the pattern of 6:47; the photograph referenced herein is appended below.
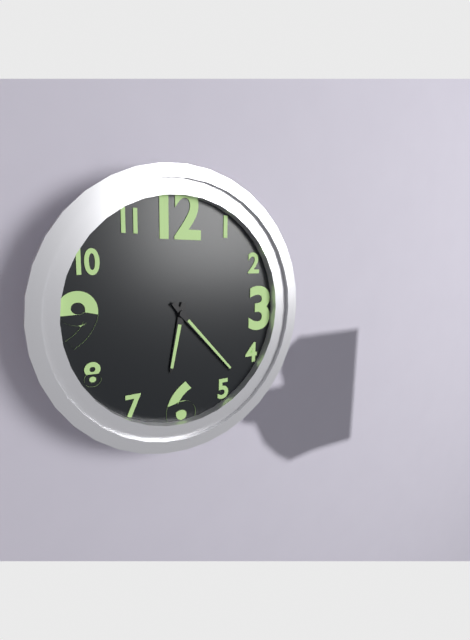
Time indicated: 6:23
